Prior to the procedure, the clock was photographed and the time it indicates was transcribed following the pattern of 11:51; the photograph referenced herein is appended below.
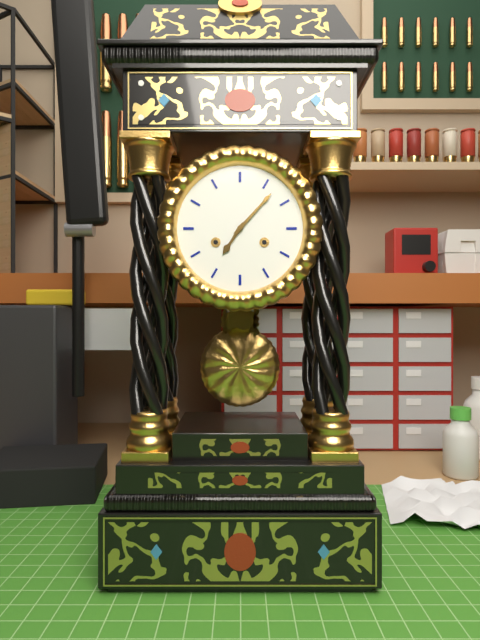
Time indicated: 7:07
